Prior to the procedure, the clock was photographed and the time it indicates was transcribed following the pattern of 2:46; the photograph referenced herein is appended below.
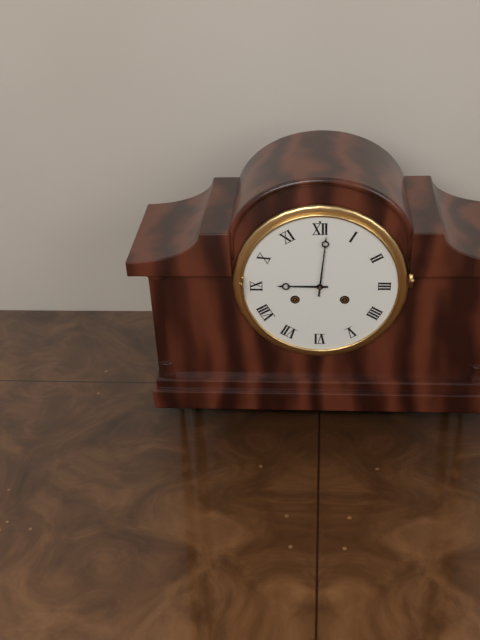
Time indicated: 9:01
